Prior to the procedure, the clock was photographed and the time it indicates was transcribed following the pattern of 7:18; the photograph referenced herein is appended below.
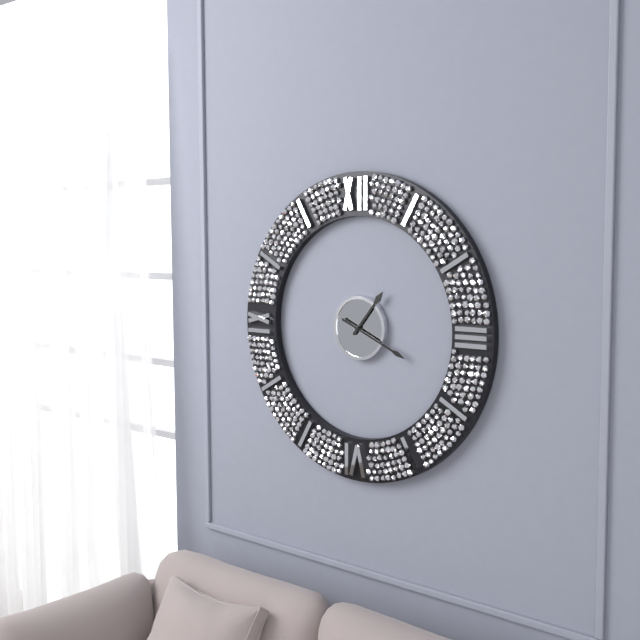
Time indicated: 1:19
